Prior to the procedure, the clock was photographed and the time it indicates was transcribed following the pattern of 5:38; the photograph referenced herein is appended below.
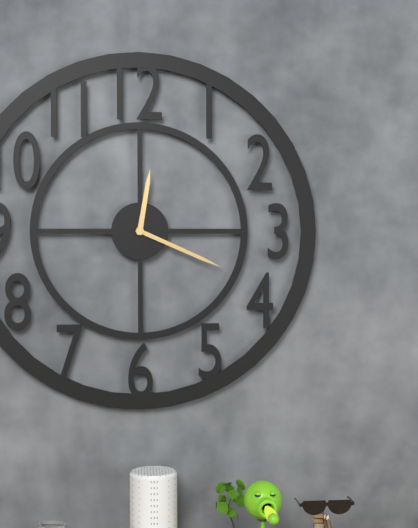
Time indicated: 12:19
